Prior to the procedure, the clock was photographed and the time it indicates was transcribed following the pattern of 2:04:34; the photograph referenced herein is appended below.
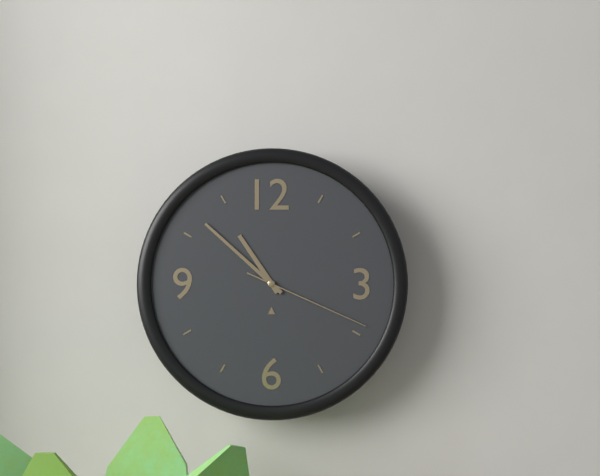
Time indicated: 10:52:19
